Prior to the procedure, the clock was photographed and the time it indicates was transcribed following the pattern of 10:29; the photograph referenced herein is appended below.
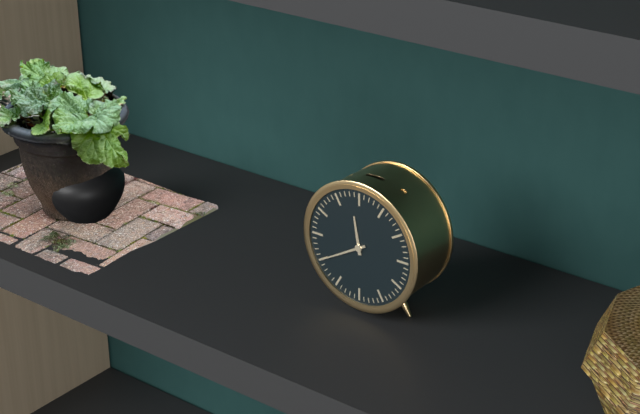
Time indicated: 11:40
